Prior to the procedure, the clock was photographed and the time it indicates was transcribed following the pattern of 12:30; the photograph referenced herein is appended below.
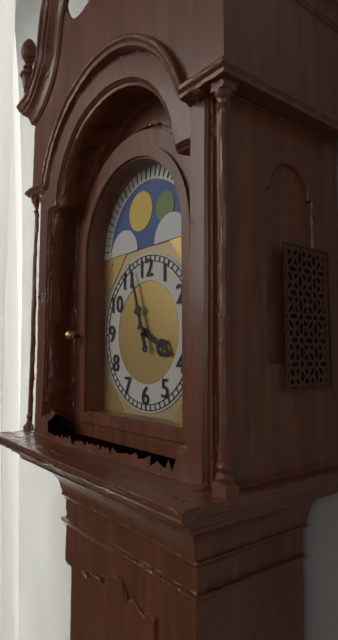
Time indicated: 3:57
